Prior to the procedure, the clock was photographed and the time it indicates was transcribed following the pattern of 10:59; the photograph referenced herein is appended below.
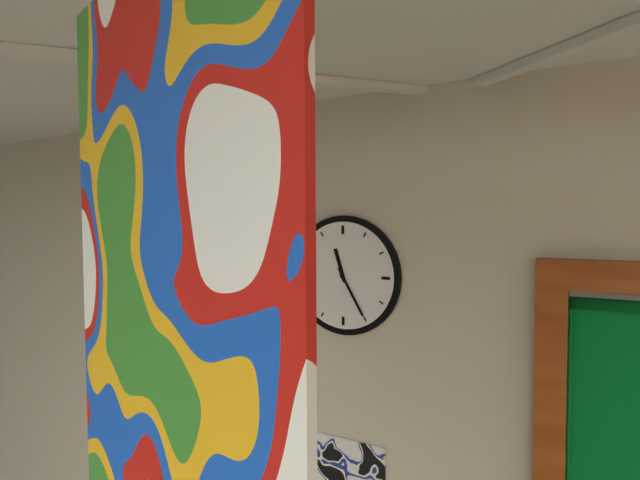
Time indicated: 11:25
